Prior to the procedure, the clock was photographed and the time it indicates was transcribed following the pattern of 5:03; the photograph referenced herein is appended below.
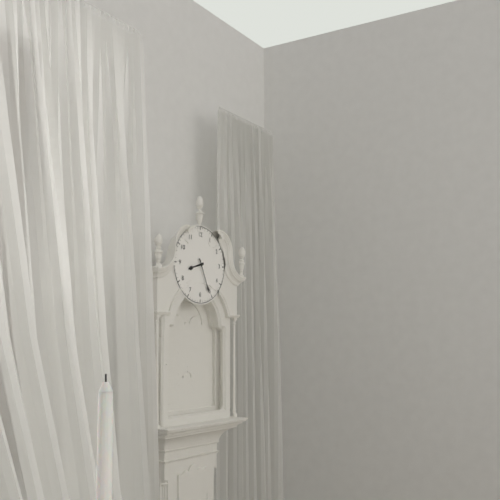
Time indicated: 8:26
